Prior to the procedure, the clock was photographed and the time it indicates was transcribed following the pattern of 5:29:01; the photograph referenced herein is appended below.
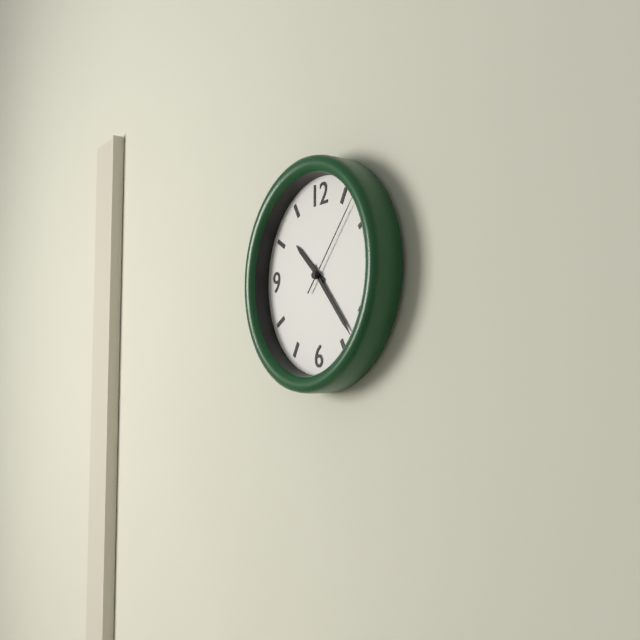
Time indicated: 10:23:07
